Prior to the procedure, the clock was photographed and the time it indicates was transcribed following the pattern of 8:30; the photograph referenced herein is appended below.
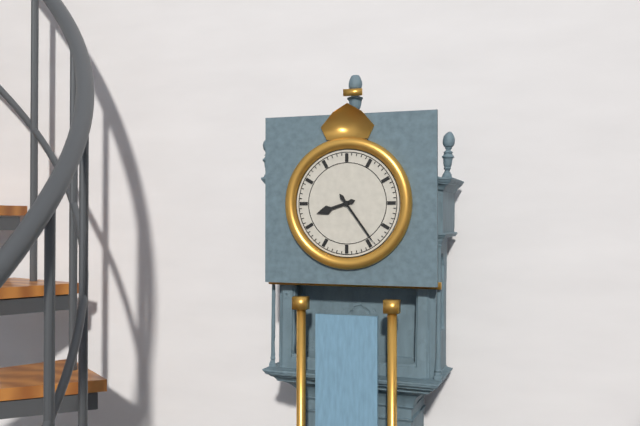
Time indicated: 8:24
